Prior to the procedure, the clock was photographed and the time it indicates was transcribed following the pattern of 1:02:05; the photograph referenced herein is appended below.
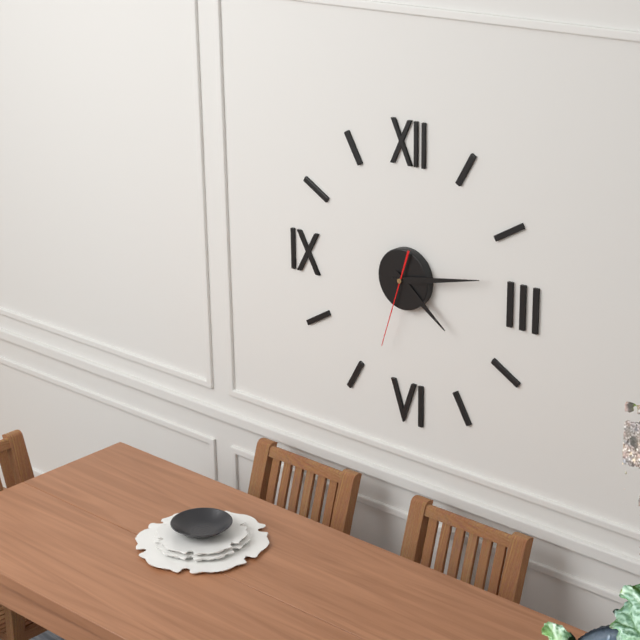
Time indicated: 4:13:33
